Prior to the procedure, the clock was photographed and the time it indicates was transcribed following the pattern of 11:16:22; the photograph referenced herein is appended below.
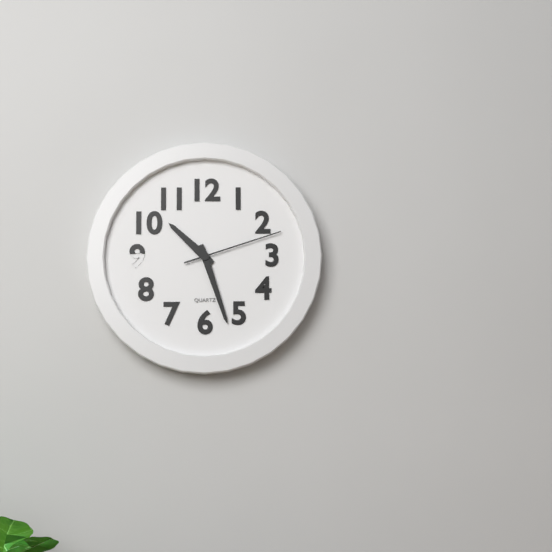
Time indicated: 10:27:12
